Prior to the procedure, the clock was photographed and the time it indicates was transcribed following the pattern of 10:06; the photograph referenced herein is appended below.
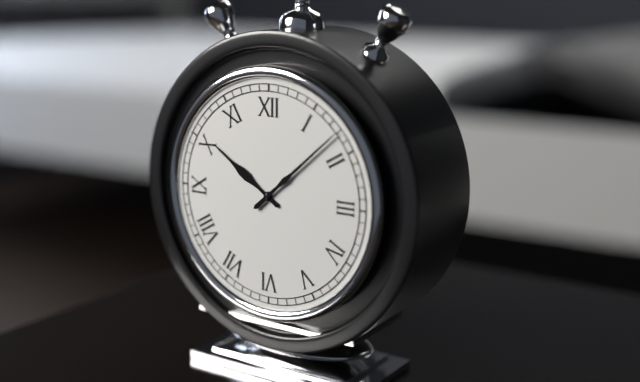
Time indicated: 10:08
